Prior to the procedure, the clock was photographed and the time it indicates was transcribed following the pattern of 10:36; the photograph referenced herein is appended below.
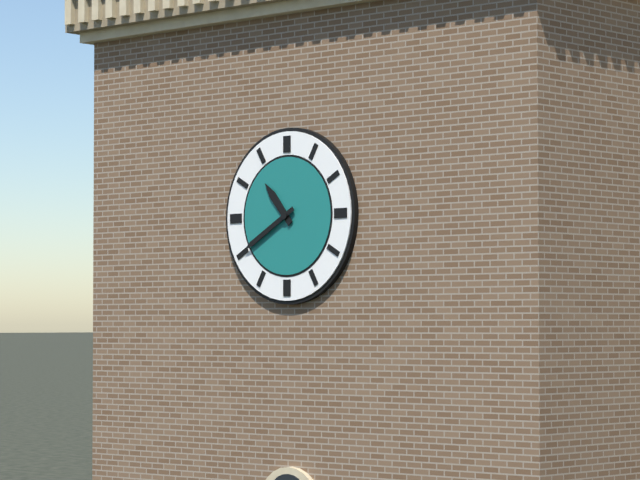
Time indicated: 10:40
